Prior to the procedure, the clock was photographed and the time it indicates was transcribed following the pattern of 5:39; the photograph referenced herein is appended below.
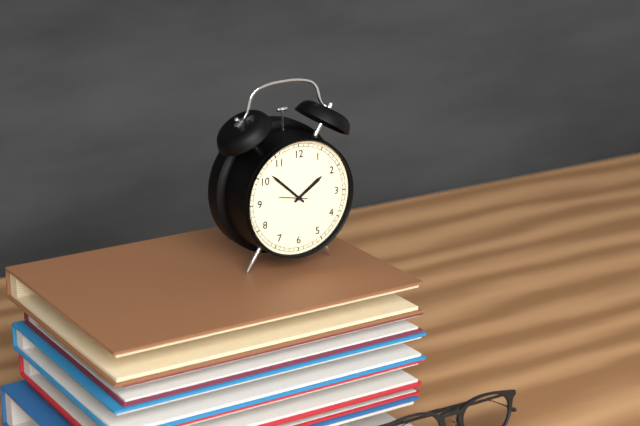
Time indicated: 1:52
